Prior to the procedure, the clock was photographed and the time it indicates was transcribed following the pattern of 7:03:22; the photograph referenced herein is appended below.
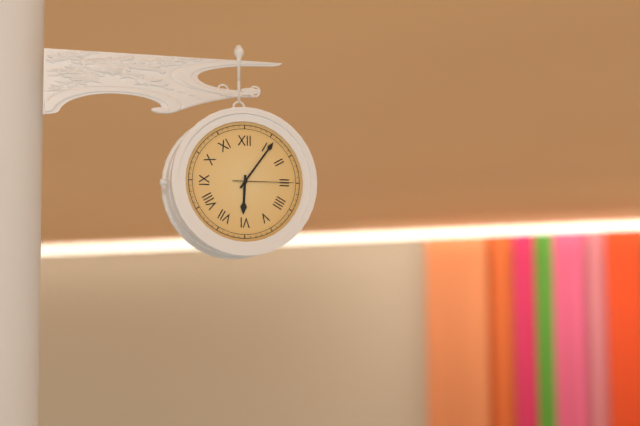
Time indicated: 6:06:15
